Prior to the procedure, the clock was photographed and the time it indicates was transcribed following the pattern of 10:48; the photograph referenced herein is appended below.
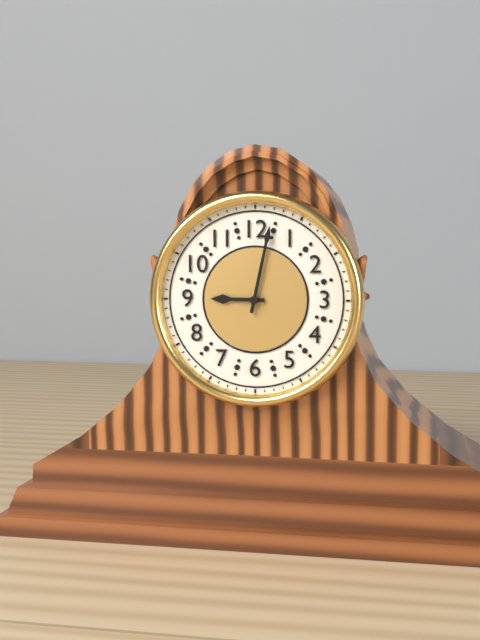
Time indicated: 9:02
